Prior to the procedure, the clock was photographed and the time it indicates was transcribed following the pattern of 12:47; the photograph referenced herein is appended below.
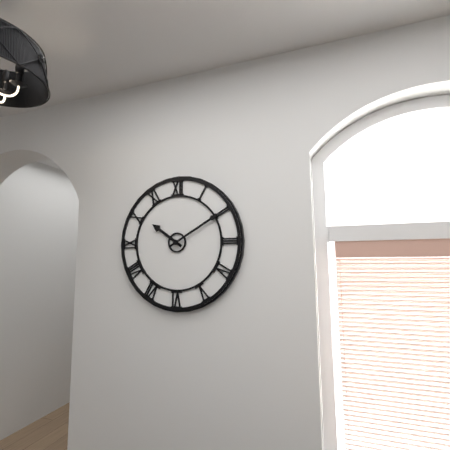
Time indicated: 10:10
